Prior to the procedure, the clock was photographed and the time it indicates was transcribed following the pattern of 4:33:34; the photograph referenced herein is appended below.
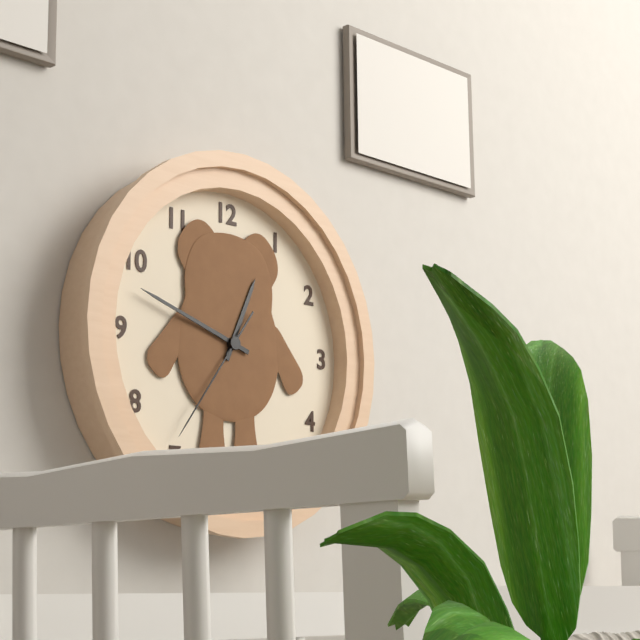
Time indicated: 12:48:36
